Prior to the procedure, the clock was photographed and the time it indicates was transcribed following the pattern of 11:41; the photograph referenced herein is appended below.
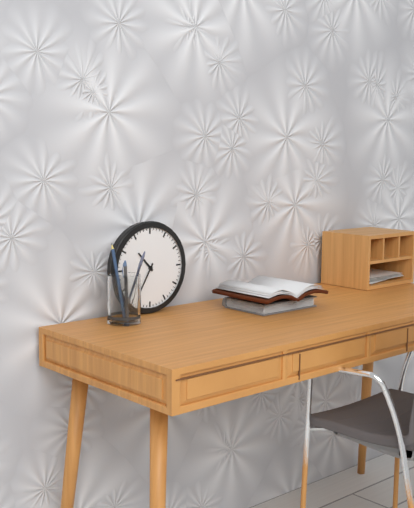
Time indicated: 10:35
